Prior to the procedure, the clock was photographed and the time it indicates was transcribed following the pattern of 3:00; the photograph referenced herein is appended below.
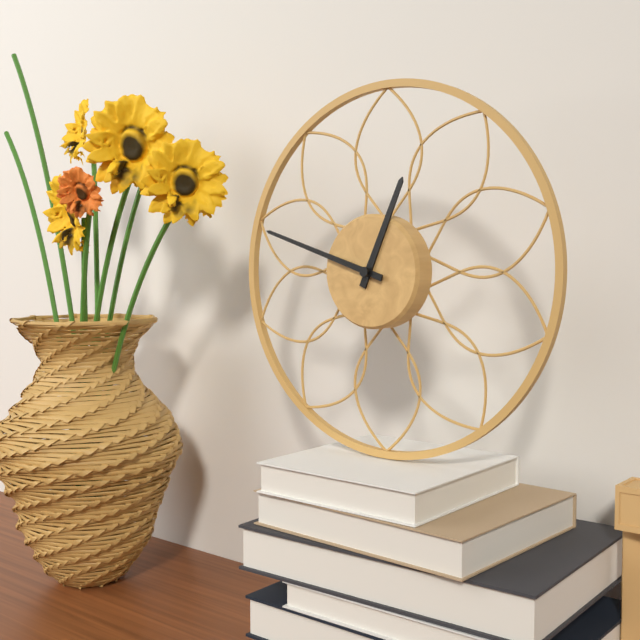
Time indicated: 12:48
